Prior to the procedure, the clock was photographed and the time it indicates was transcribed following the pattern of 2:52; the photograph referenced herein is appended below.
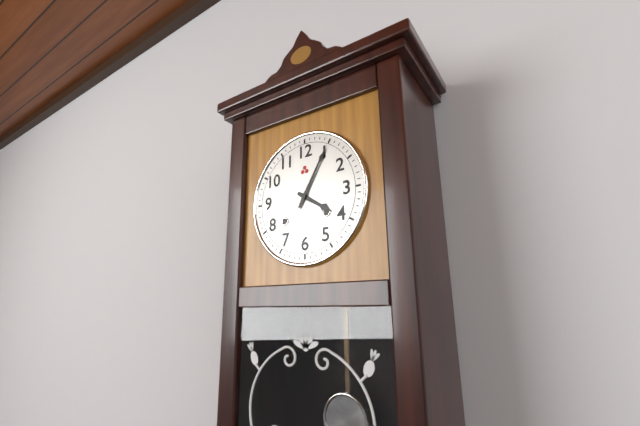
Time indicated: 4:05
